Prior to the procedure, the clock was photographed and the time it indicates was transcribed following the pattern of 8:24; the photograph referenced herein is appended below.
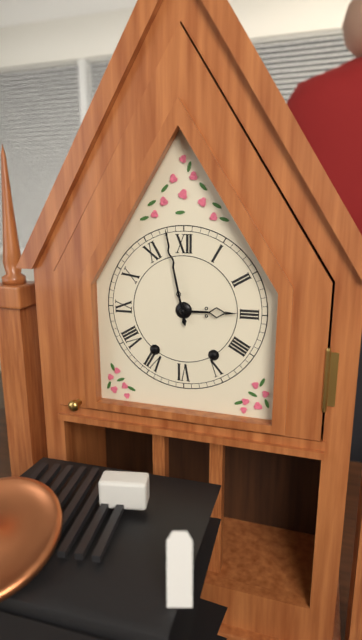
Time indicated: 2:58
